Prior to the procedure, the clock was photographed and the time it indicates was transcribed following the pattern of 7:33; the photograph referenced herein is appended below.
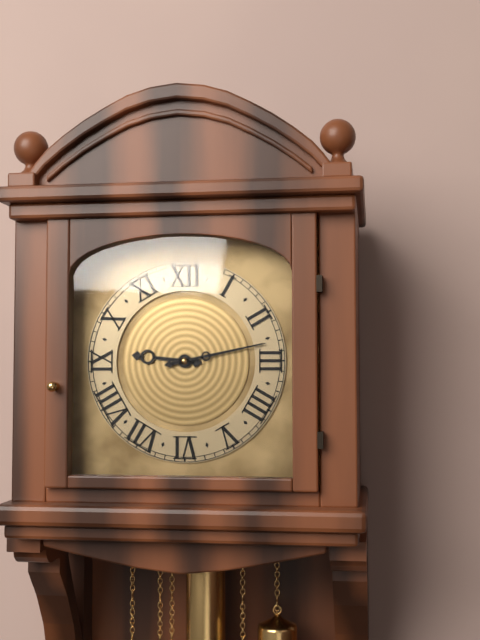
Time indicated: 9:13
